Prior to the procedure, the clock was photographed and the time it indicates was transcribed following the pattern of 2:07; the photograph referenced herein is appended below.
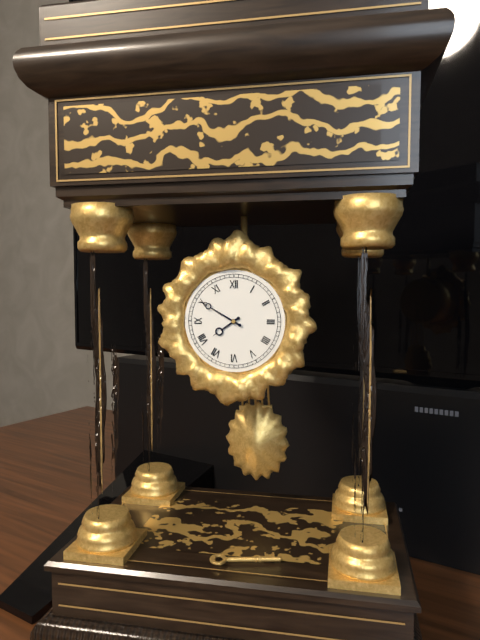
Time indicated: 7:50
